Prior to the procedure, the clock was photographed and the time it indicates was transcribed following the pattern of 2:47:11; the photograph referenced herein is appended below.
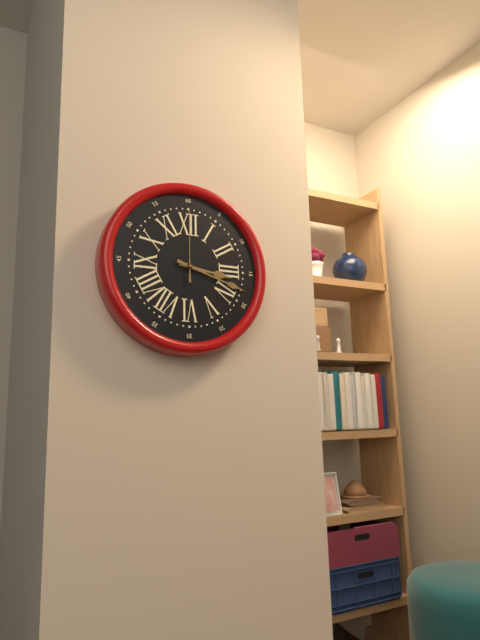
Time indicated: 3:18:00
